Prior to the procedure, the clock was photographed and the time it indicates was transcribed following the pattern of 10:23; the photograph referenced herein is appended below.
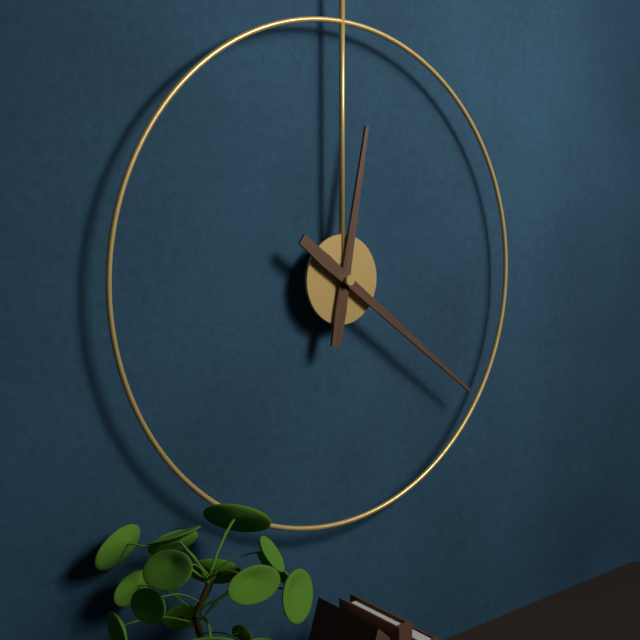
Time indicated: 12:21
